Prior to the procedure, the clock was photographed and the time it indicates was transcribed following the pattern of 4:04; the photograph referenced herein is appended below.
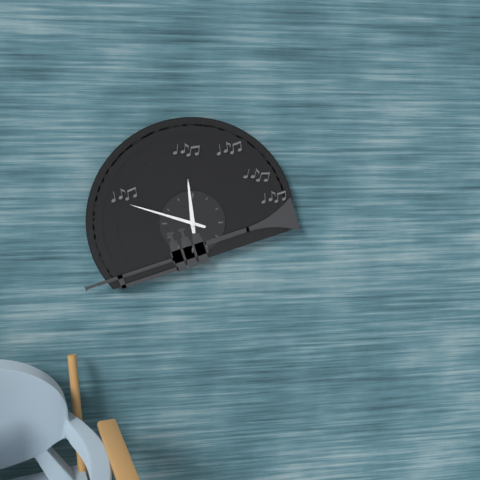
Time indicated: 11:48
